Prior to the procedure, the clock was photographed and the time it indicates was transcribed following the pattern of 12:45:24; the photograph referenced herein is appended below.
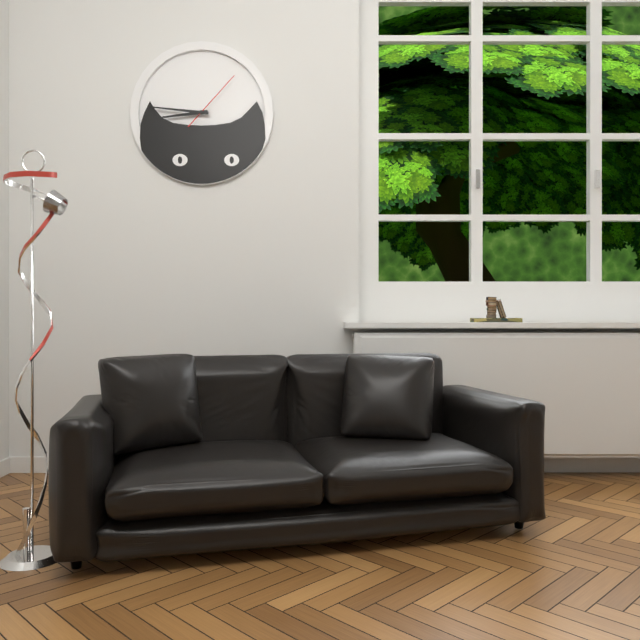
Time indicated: 8:46:07
